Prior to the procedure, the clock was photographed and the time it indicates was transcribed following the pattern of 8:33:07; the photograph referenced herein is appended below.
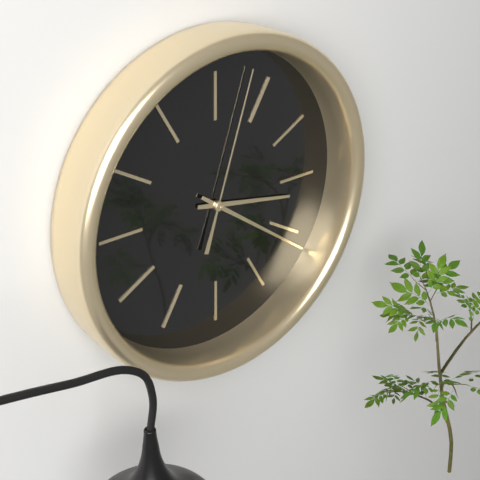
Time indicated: 3:21:03
